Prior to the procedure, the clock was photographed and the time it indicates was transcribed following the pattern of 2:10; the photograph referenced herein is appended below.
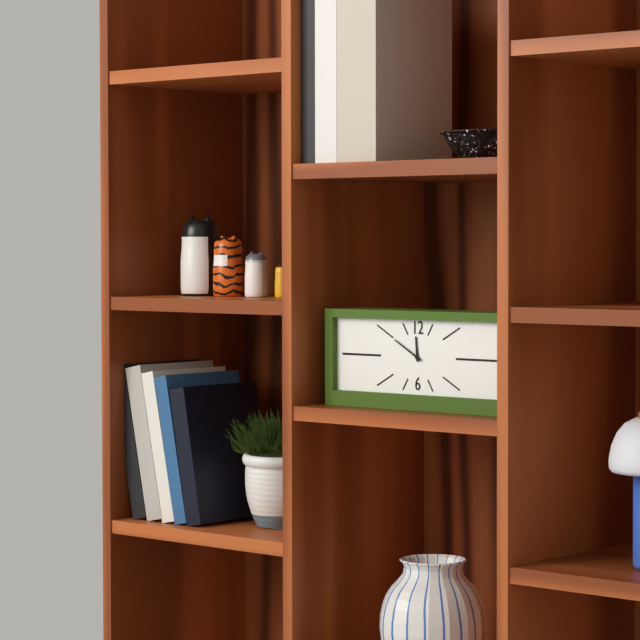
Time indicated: 11:50
